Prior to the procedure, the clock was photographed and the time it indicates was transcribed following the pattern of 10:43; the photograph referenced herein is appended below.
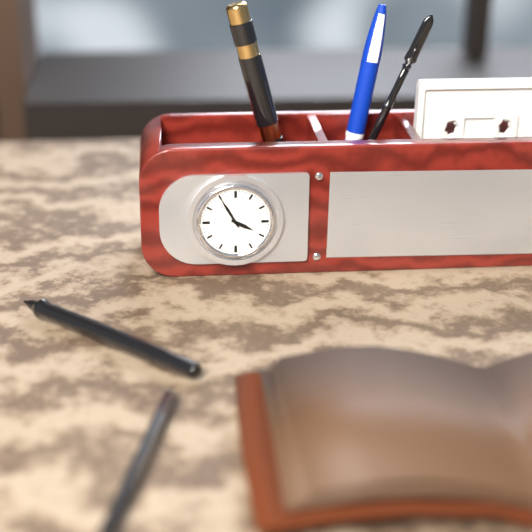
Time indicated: 3:55
